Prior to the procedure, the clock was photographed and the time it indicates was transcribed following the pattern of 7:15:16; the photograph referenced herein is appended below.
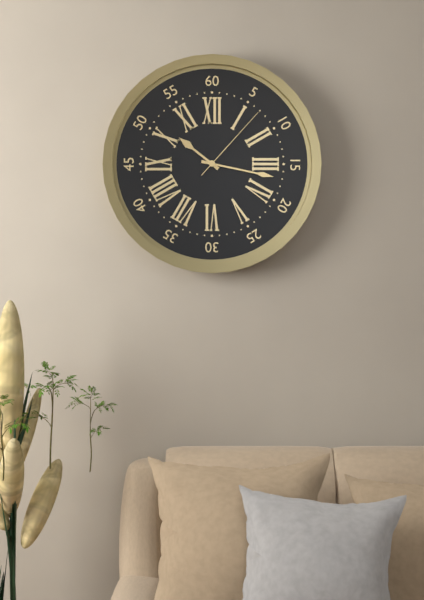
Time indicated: 10:17:07
